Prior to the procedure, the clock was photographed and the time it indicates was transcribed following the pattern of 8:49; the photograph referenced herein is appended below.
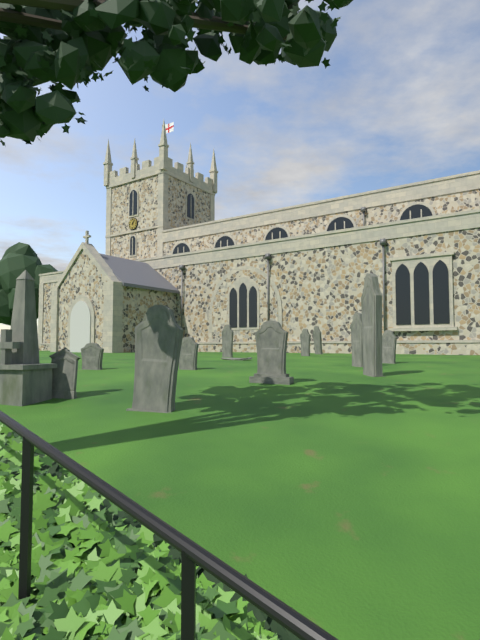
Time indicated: 1:06
